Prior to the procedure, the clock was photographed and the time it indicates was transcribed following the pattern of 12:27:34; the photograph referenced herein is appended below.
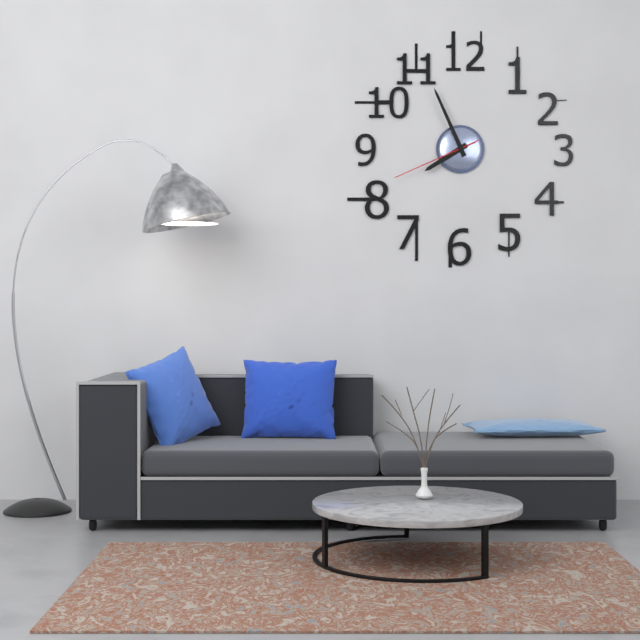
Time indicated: 7:56:41
